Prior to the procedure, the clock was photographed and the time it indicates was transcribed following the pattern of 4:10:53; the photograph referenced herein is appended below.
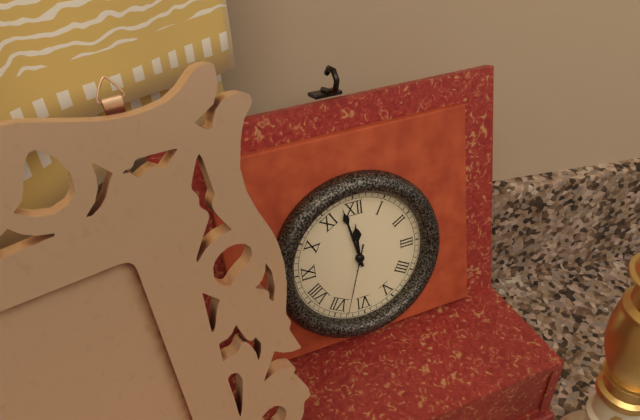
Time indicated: 11:58:33
